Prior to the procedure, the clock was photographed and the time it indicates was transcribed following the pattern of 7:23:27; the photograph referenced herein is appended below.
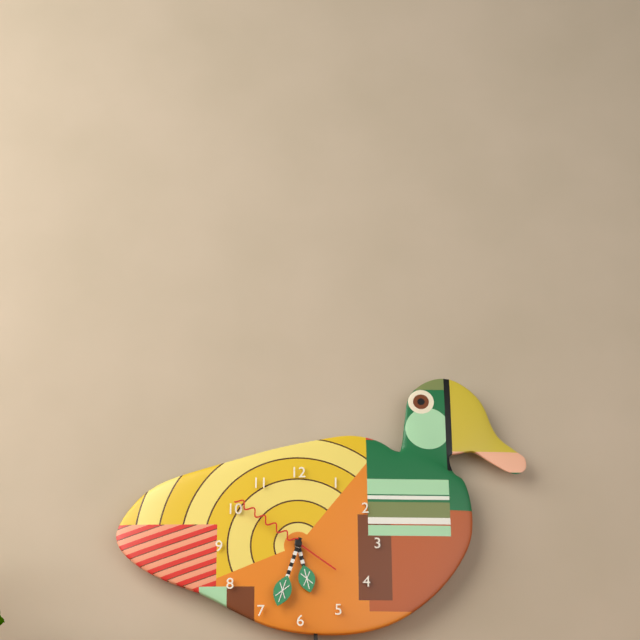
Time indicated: 5:33:51
